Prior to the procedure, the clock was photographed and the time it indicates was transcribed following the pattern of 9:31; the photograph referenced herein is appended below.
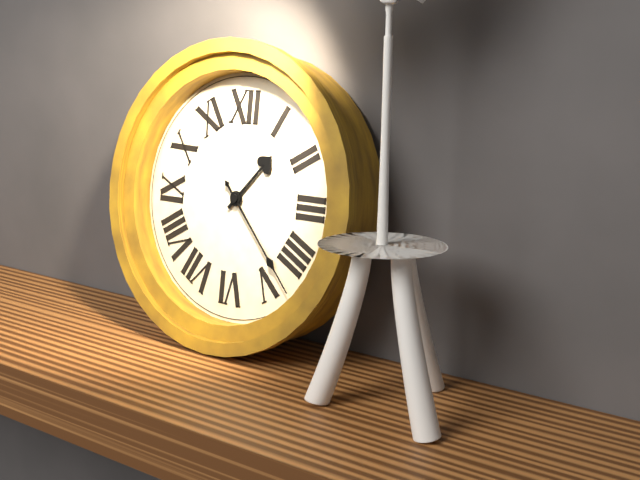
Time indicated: 1:23
